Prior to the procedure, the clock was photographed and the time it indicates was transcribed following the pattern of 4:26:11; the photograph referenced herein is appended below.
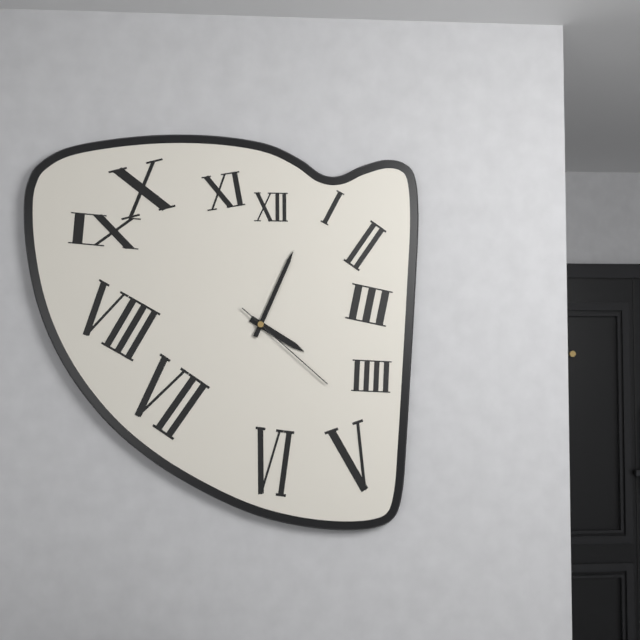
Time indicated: 4:04:22
